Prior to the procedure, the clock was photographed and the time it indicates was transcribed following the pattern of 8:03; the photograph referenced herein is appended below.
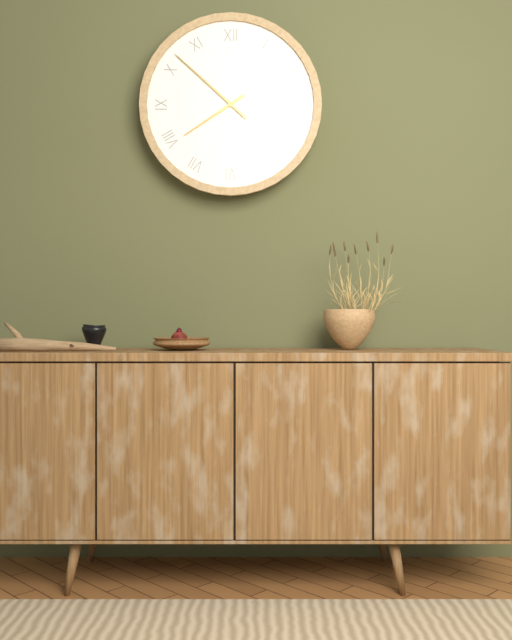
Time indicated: 7:52
